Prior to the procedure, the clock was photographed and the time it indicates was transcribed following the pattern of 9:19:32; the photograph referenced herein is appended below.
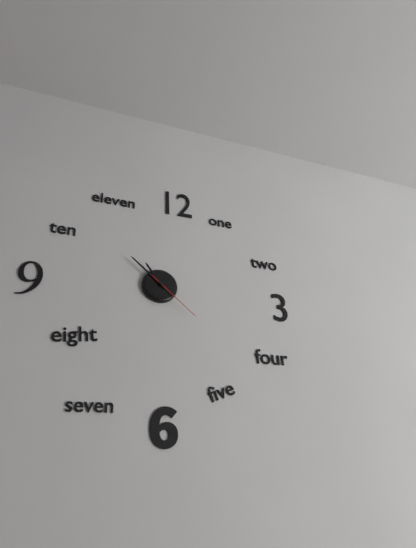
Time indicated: 10:52:22
